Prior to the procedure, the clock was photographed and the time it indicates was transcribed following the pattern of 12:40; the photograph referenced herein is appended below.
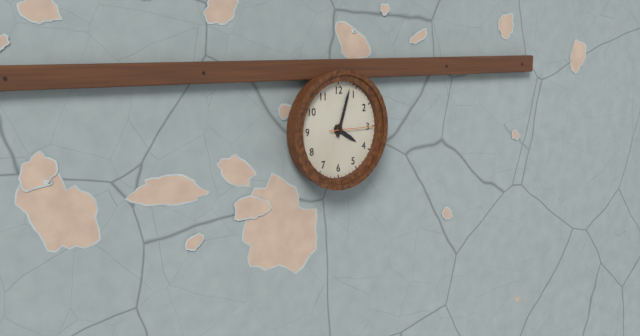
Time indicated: 4:03
